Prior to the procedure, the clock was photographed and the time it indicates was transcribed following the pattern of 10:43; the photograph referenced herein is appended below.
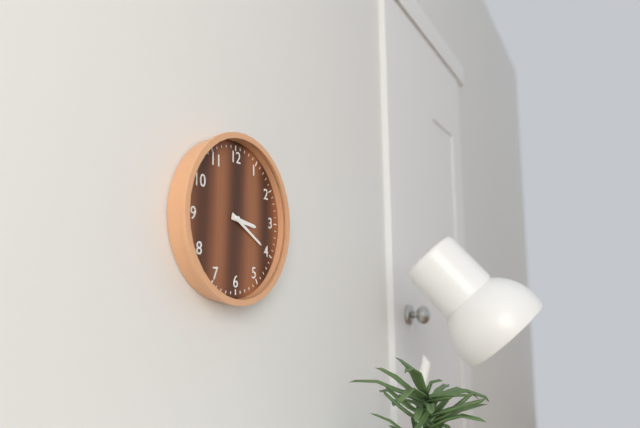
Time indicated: 3:20
